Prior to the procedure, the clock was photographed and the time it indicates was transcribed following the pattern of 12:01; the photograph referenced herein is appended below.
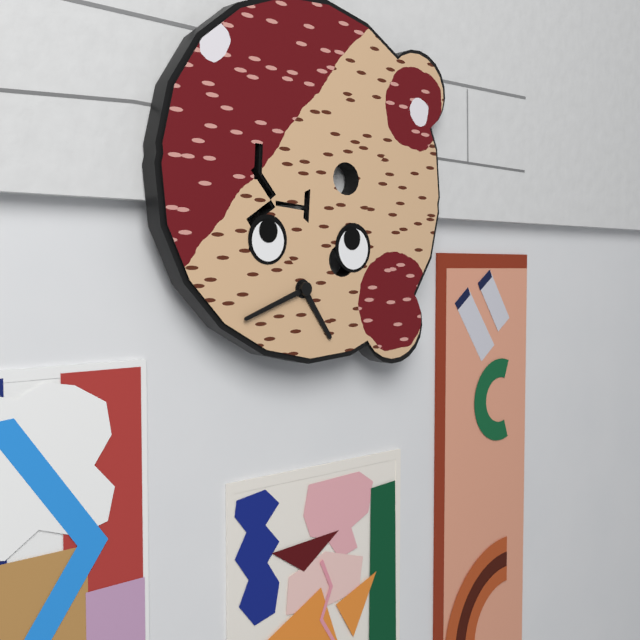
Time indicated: 4:41
